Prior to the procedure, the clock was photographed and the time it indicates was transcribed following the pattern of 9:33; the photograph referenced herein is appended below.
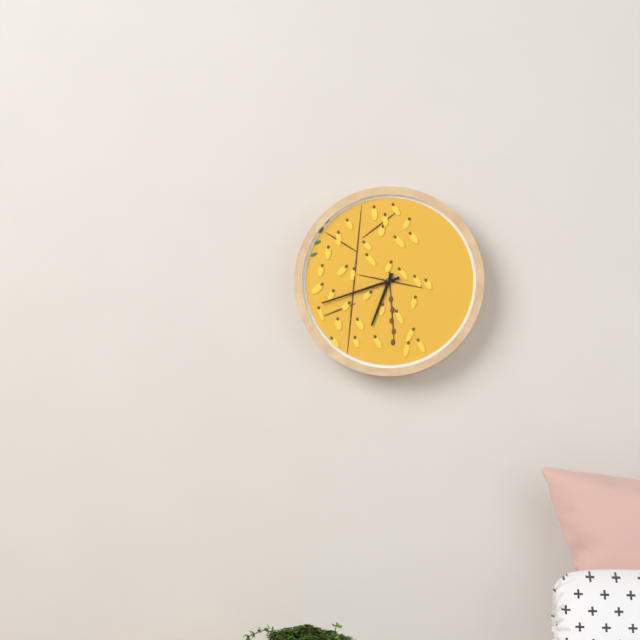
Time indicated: 6:42
